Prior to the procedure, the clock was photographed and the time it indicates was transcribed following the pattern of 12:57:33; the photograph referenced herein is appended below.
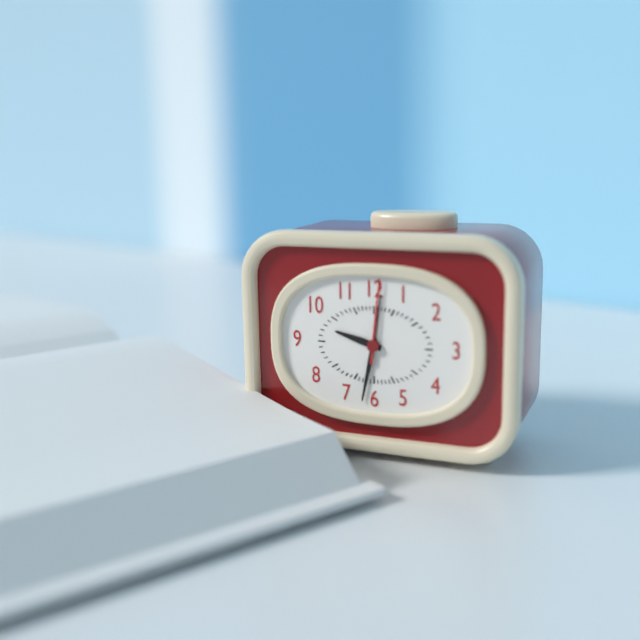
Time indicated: 9:32:01
